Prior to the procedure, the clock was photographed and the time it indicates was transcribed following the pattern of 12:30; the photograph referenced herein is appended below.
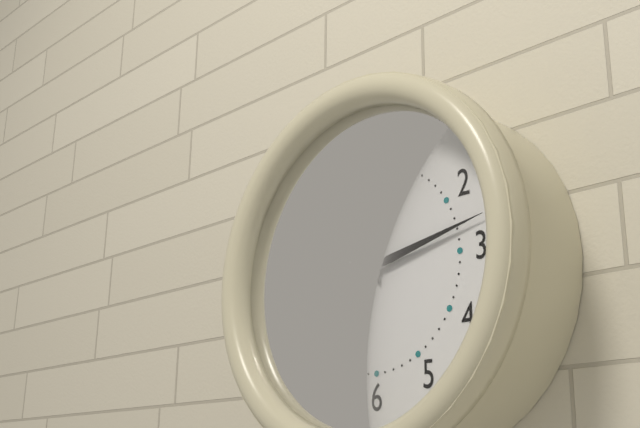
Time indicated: 11:13
